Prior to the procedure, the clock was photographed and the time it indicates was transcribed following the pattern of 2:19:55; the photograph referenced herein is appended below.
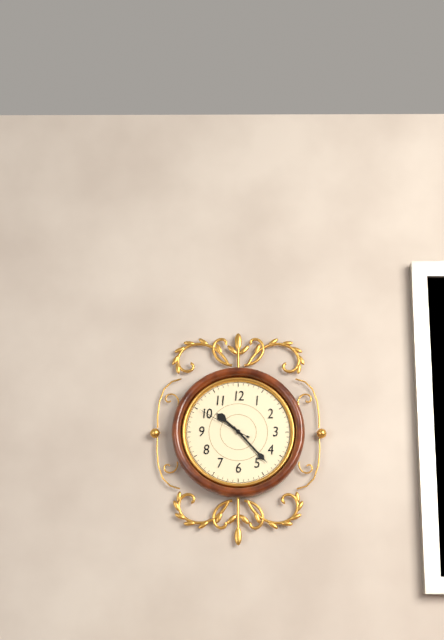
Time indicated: 10:23:50
